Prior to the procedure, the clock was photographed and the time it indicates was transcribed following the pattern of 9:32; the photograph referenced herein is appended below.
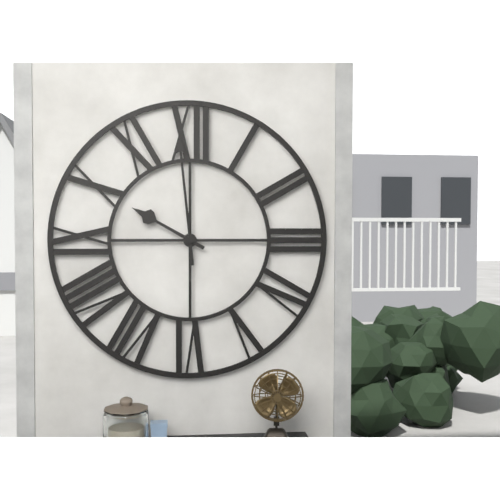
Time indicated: 9:59
